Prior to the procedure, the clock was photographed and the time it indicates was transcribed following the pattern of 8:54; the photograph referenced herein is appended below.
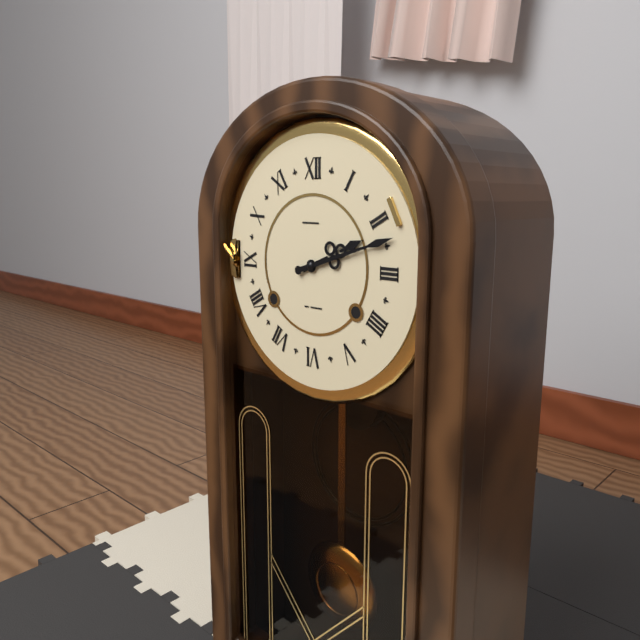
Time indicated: 2:12
